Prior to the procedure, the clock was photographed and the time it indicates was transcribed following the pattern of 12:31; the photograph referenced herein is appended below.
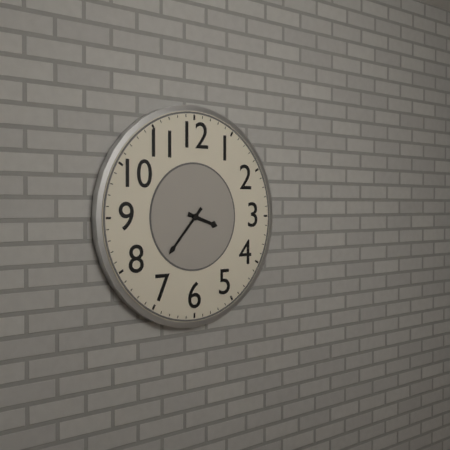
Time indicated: 3:37
